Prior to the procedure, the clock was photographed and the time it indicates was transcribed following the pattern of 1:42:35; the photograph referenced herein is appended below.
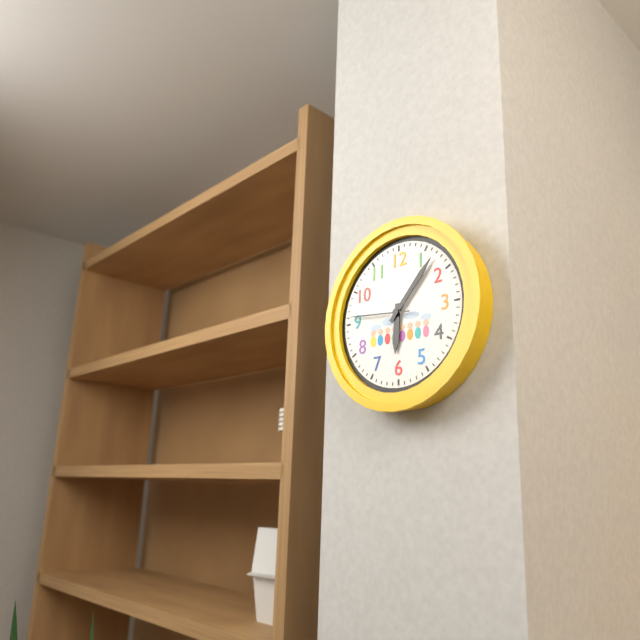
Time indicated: 6:07:46
